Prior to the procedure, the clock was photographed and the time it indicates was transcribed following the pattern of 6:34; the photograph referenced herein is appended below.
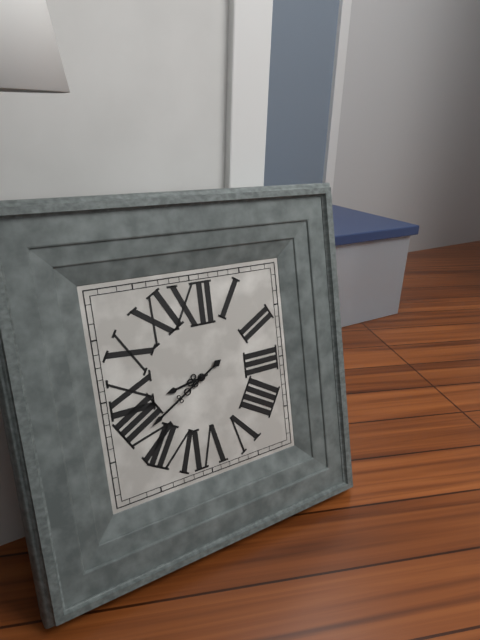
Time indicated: 8:40
